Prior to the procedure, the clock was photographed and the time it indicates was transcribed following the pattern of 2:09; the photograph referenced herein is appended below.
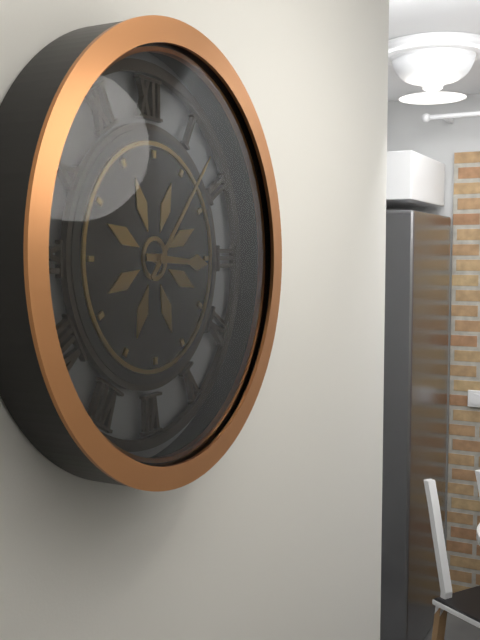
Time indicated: 3:07
